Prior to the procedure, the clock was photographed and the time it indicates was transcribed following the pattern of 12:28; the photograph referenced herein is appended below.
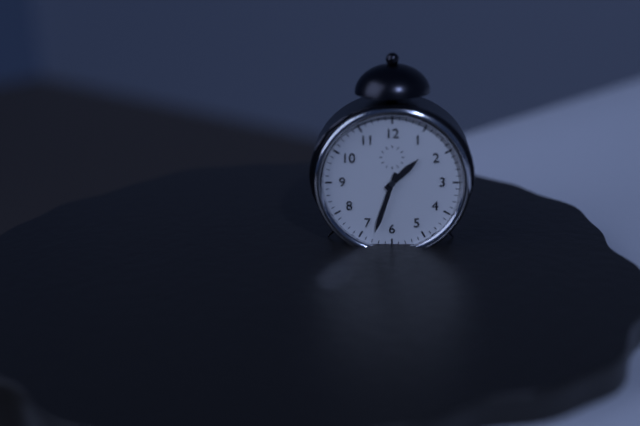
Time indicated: 1:33
